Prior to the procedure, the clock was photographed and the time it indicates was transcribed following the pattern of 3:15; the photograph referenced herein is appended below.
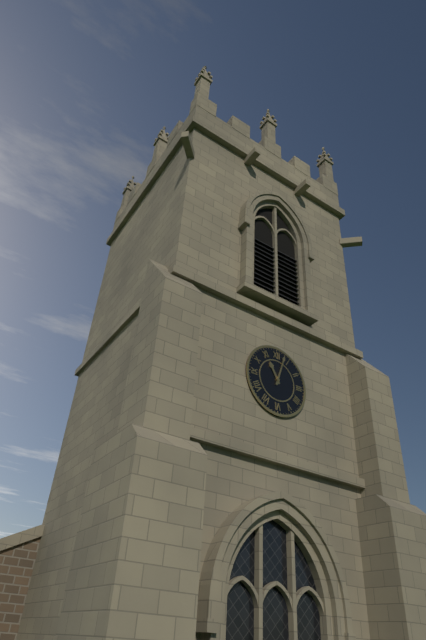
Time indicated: 11:03
